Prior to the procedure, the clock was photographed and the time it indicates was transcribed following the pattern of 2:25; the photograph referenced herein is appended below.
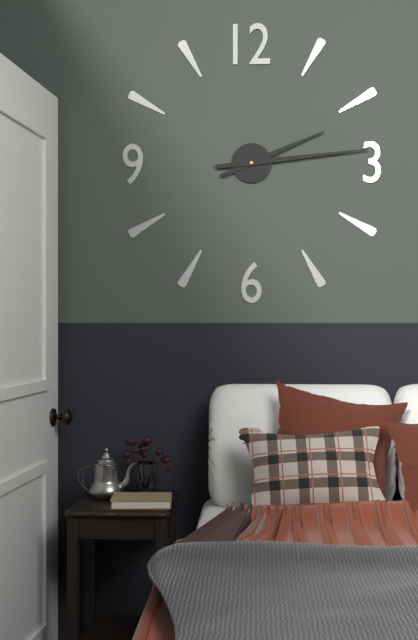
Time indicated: 2:14
